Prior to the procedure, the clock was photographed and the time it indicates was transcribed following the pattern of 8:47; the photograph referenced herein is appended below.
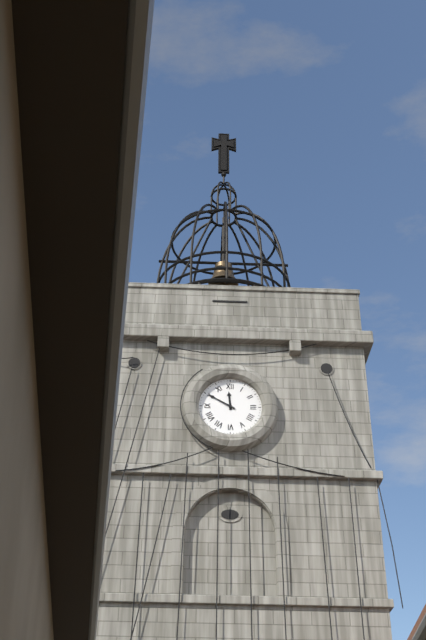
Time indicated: 11:50
